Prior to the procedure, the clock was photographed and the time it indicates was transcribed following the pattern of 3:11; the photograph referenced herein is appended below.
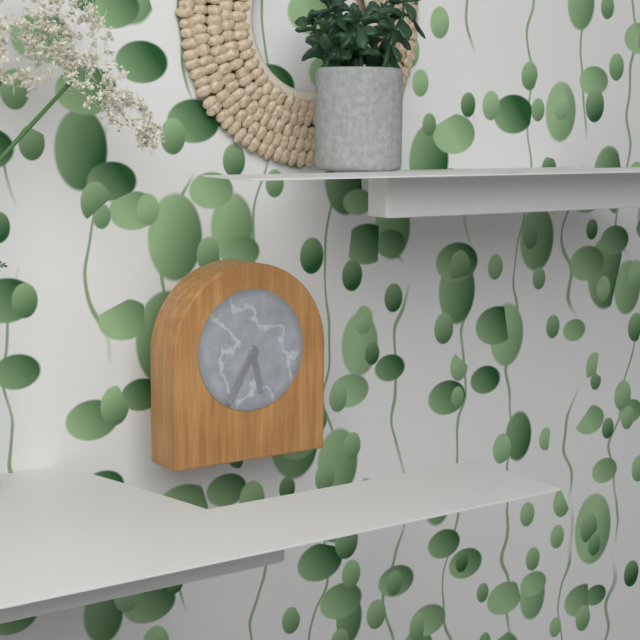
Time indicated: 5:35
